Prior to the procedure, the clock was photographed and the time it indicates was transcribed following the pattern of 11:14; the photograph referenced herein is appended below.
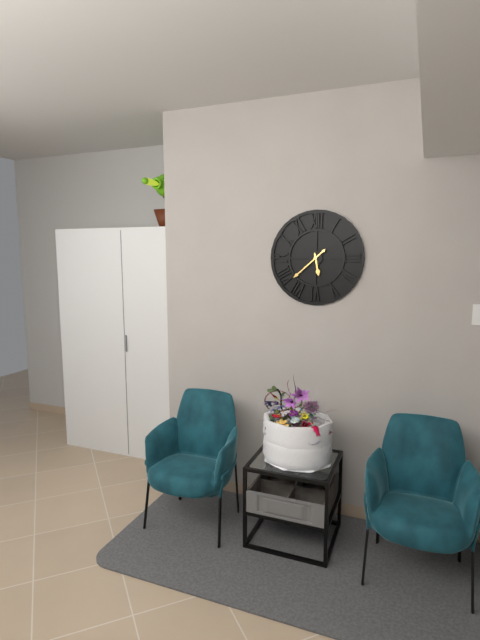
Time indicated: 5:38
